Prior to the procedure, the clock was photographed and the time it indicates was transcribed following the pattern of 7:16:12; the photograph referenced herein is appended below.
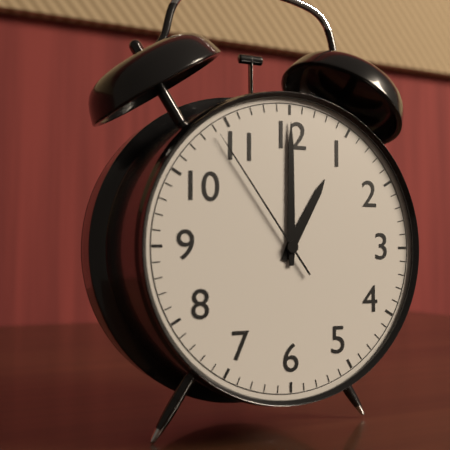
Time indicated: 1:00:54
